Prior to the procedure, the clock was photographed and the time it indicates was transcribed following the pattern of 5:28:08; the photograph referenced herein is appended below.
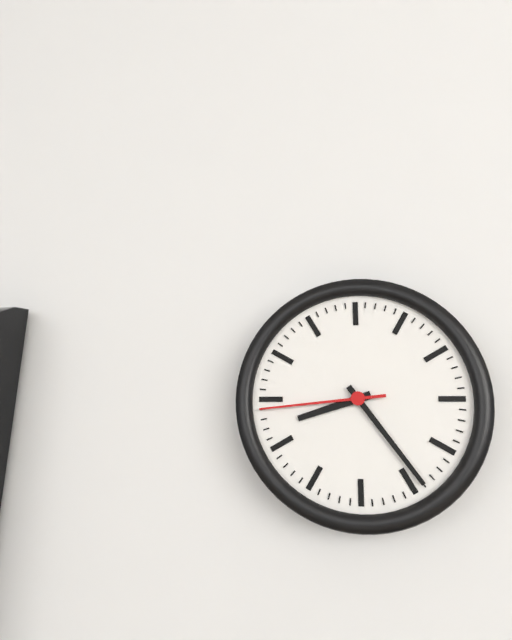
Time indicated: 8:24:44
